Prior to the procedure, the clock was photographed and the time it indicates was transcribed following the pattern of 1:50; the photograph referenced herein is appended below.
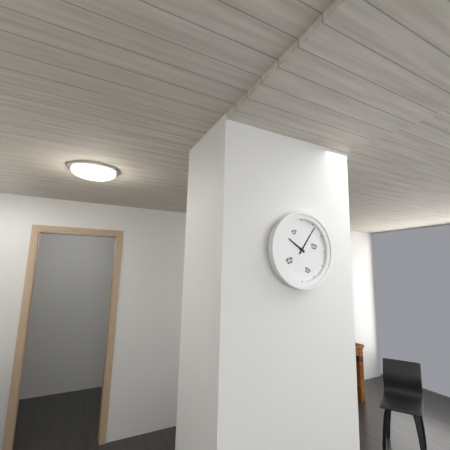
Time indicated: 10:06
